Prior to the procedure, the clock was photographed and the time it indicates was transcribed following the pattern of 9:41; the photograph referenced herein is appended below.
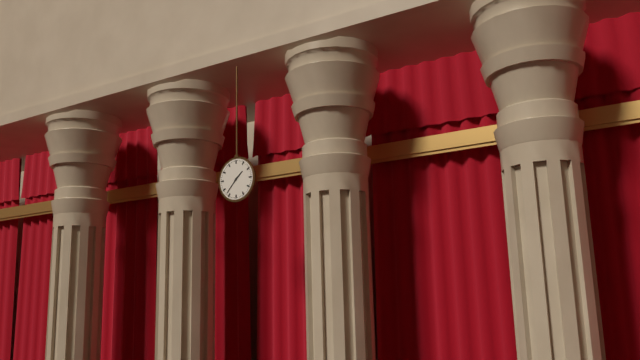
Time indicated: 1:37
